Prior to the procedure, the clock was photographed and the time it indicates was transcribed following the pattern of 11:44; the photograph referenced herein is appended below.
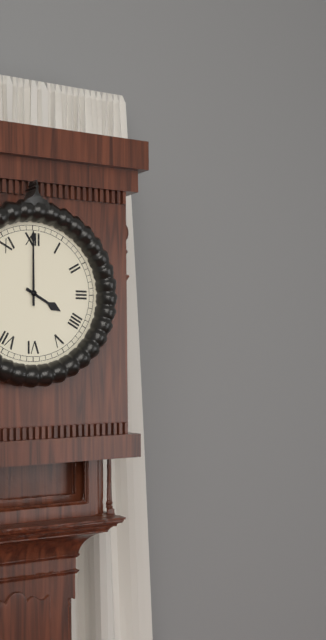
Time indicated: 4:00
